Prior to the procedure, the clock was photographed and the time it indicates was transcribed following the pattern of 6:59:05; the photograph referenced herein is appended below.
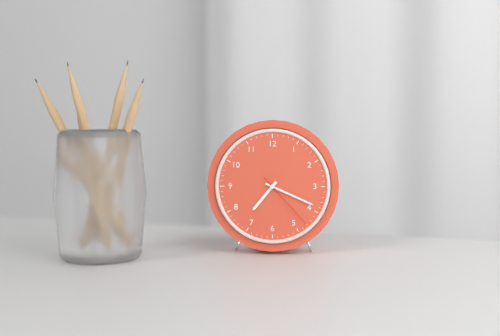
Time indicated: 7:19:23
